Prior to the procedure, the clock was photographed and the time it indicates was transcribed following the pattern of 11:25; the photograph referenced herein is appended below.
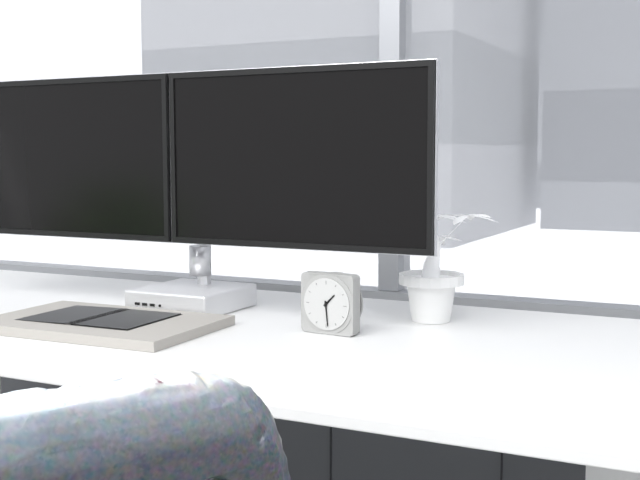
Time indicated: 1:29
